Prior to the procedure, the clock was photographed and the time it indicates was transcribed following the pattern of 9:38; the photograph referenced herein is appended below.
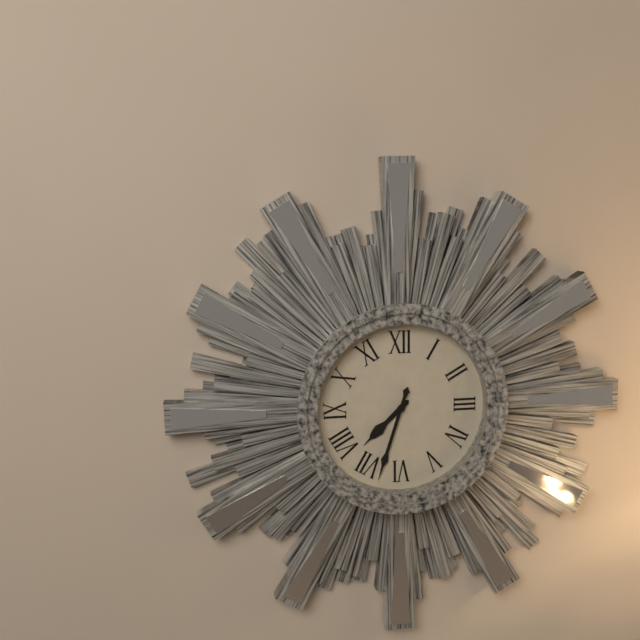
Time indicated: 7:33
